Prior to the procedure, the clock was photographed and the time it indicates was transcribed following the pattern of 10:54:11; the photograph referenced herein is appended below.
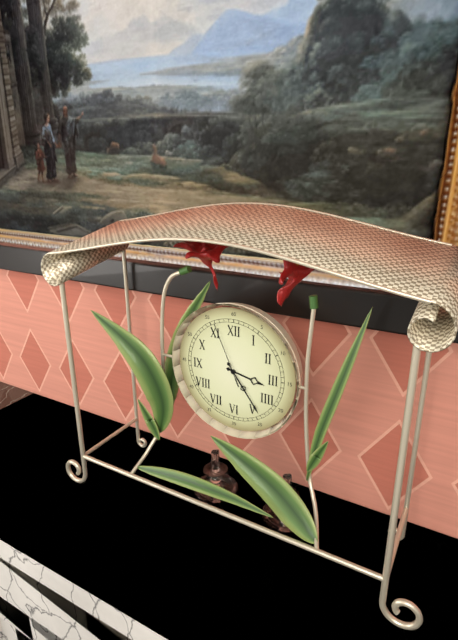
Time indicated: 3:24:56
